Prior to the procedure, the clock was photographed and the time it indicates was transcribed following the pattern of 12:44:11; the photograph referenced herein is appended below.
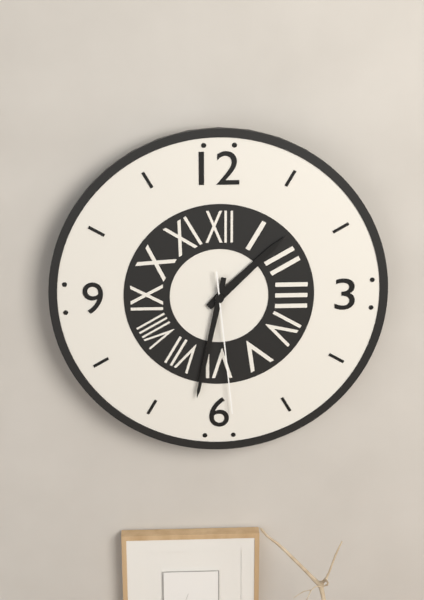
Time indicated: 1:32:29
